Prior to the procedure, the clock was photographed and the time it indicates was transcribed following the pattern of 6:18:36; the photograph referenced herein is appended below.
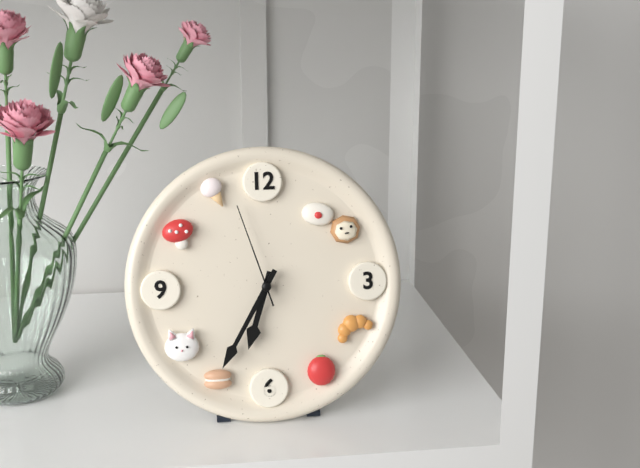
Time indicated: 6:35:57
